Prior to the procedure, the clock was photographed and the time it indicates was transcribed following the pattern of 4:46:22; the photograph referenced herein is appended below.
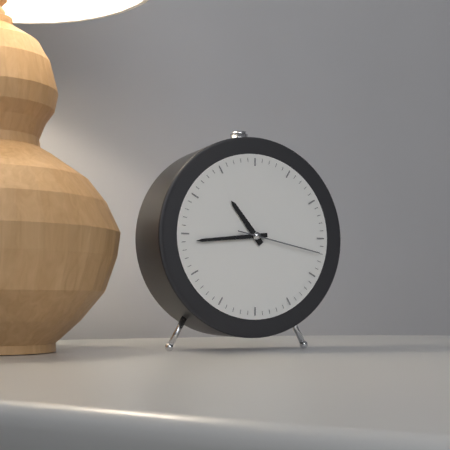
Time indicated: 10:44:17
